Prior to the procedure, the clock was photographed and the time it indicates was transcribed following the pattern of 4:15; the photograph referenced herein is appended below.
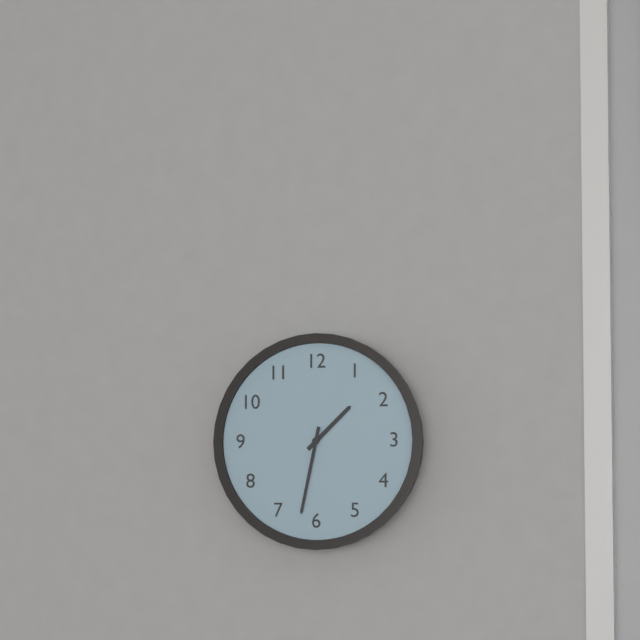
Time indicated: 1:32
